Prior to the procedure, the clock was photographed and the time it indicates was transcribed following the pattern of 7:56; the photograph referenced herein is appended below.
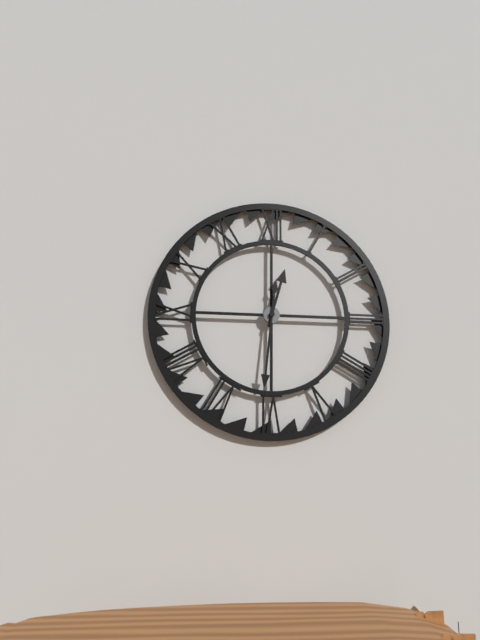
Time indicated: 12:31
